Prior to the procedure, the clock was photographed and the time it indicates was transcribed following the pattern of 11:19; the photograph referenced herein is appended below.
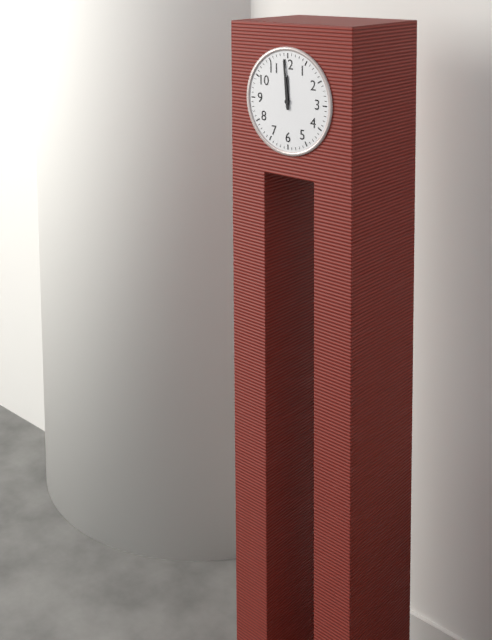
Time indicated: 11:59
